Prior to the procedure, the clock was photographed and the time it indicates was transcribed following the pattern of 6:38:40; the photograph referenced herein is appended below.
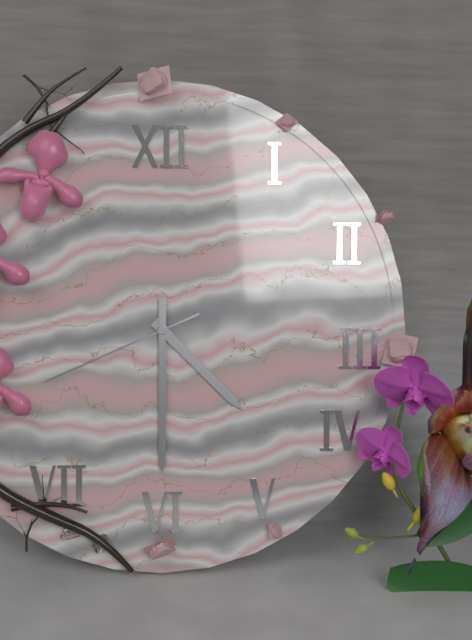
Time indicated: 4:30:41
